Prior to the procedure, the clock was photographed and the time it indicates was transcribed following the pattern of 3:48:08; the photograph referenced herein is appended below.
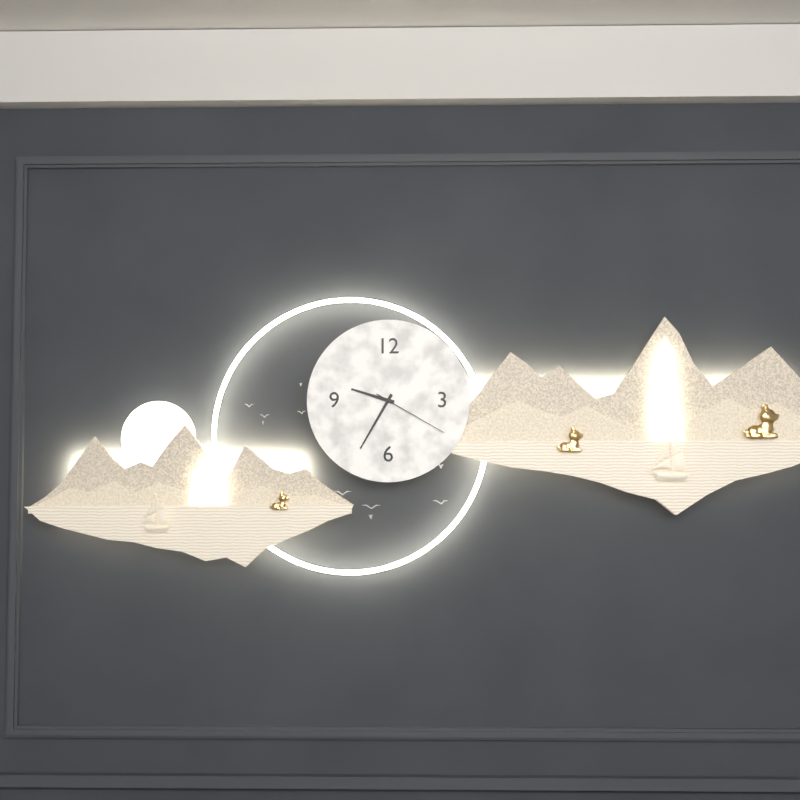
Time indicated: 9:35:20
